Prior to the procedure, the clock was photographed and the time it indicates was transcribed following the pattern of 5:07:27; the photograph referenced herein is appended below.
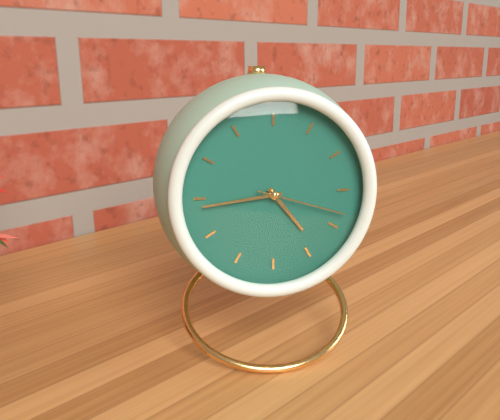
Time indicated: 4:44:18
